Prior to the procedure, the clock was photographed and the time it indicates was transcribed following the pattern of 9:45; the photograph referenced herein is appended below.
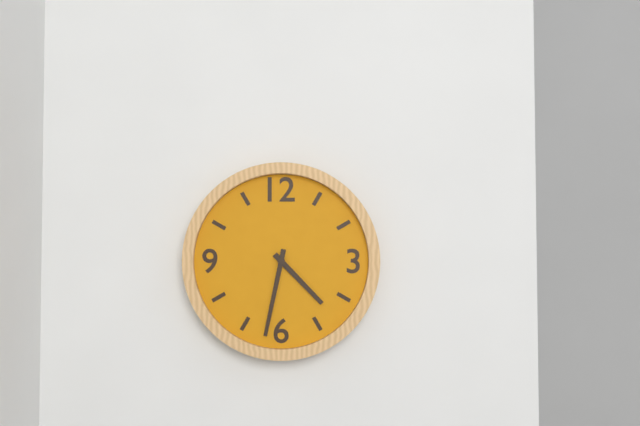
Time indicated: 4:32
